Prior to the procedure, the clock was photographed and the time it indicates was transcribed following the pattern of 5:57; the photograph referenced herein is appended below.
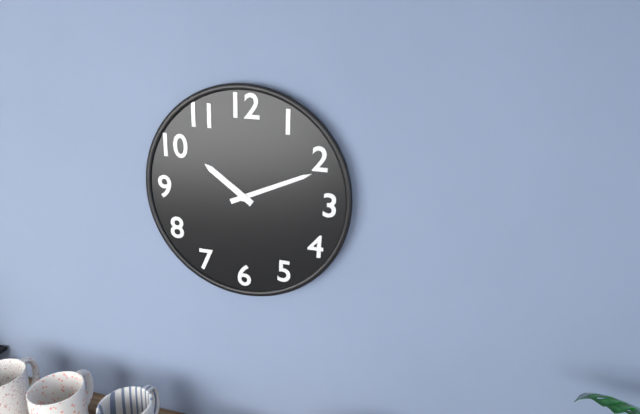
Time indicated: 10:11
